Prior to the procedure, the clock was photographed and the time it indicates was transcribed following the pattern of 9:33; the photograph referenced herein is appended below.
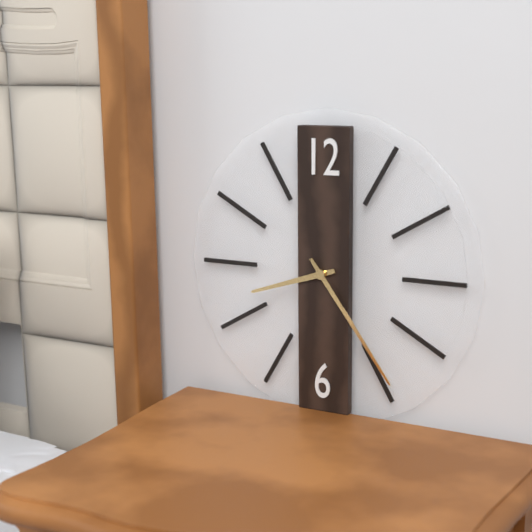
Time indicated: 8:24
